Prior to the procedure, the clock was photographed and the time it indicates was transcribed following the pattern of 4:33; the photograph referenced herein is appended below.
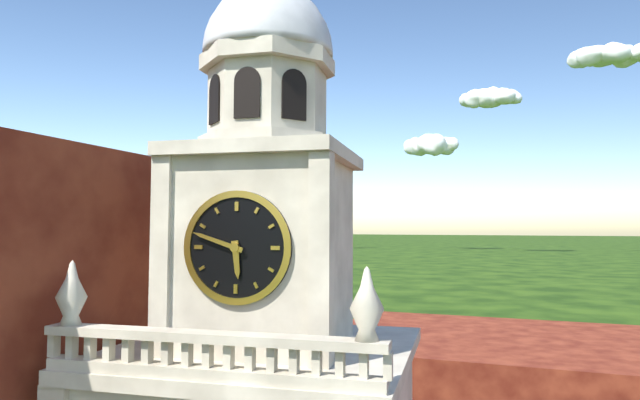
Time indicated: 5:48
